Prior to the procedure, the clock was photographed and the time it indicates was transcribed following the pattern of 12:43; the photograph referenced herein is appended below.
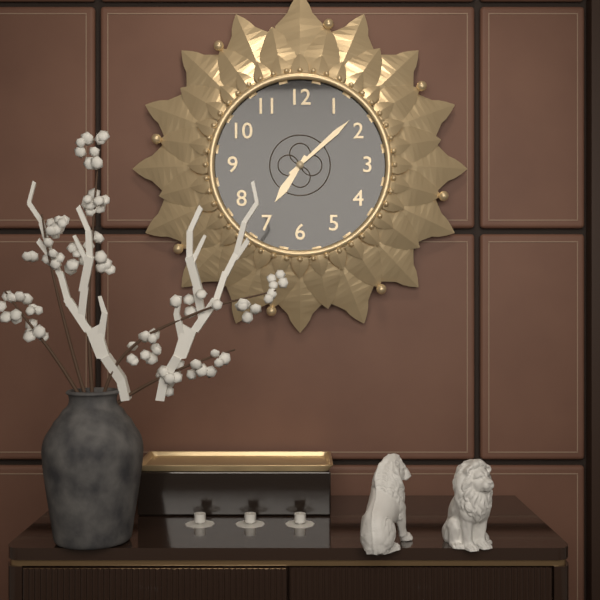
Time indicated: 7:08
